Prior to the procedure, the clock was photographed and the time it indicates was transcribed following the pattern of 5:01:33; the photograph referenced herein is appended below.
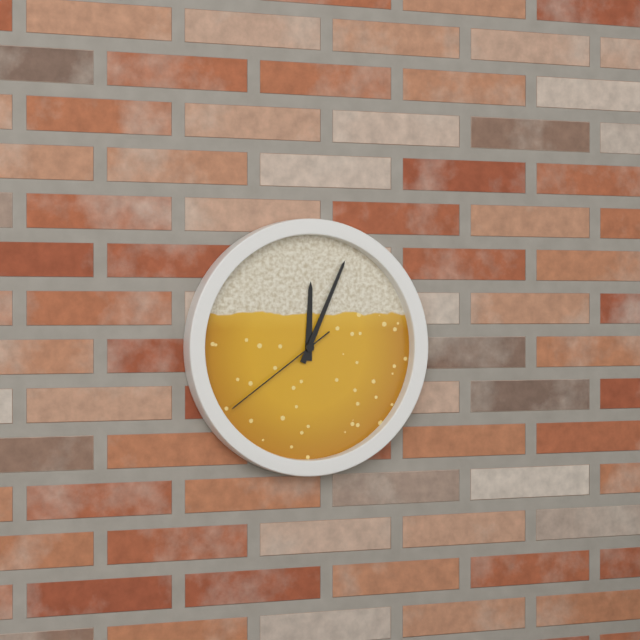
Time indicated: 12:04:39
